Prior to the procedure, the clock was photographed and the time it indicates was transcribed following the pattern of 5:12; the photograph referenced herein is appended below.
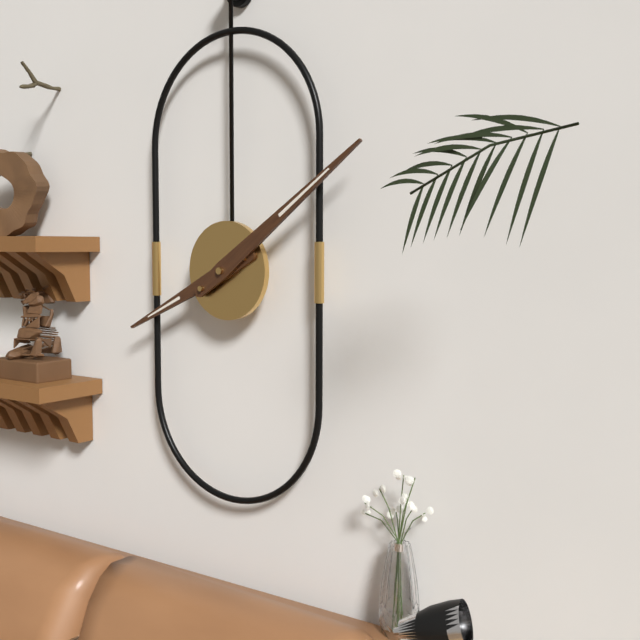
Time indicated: 8:09
